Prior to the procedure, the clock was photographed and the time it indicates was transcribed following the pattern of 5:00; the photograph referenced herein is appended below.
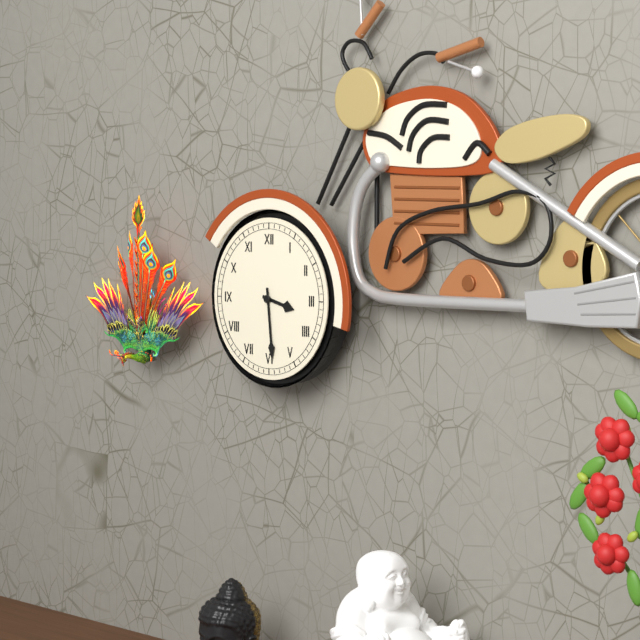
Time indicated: 3:29
